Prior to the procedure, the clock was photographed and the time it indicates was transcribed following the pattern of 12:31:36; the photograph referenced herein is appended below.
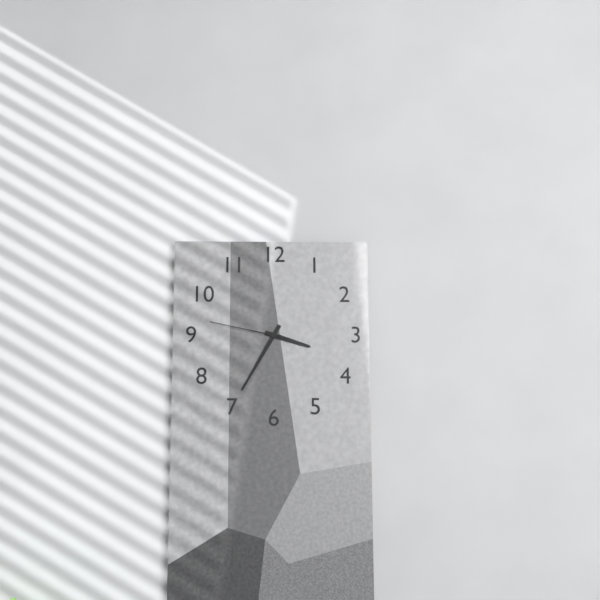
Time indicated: 3:35:47
